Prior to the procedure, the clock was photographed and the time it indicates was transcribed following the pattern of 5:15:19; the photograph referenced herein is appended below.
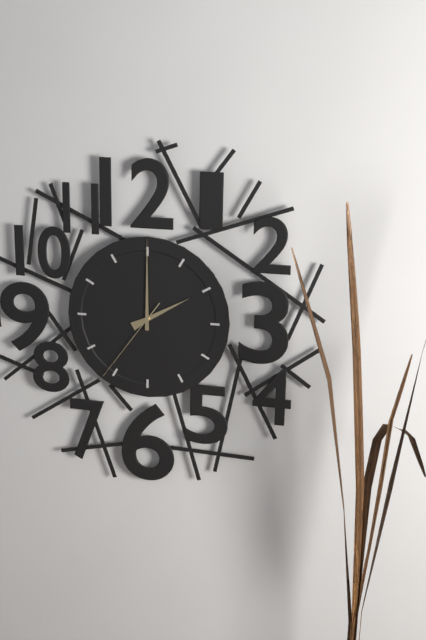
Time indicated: 2:00:36
